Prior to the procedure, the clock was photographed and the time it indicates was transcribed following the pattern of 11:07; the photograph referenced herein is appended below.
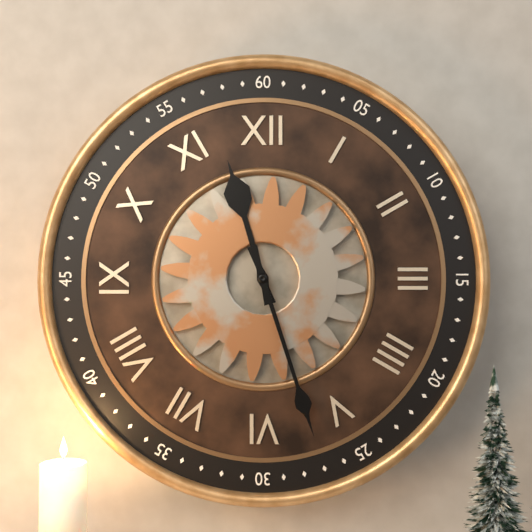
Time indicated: 11:27
